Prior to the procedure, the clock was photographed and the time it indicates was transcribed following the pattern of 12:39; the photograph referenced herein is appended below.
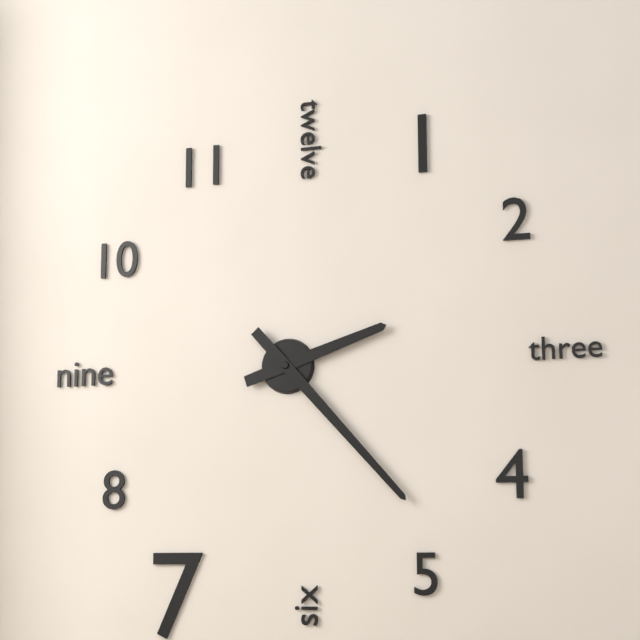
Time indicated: 2:23
